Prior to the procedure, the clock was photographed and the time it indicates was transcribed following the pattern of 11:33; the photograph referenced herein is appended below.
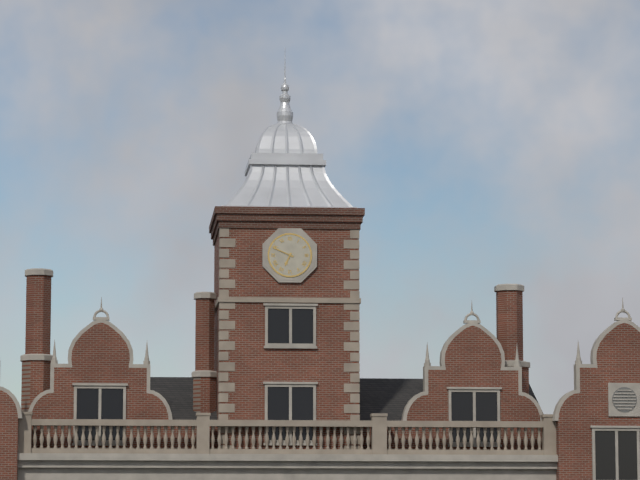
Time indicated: 6:49
